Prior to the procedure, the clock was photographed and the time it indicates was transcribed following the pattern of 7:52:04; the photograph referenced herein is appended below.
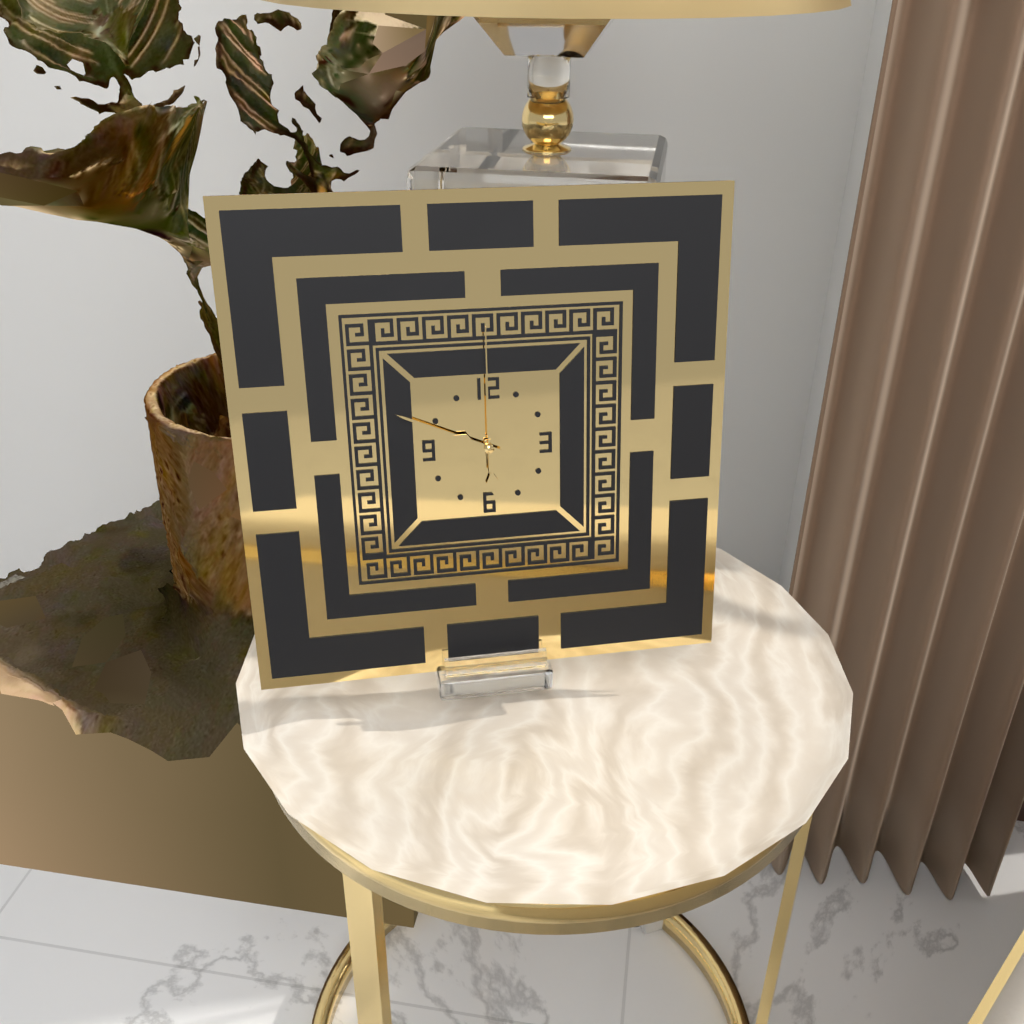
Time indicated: 5:49:00
